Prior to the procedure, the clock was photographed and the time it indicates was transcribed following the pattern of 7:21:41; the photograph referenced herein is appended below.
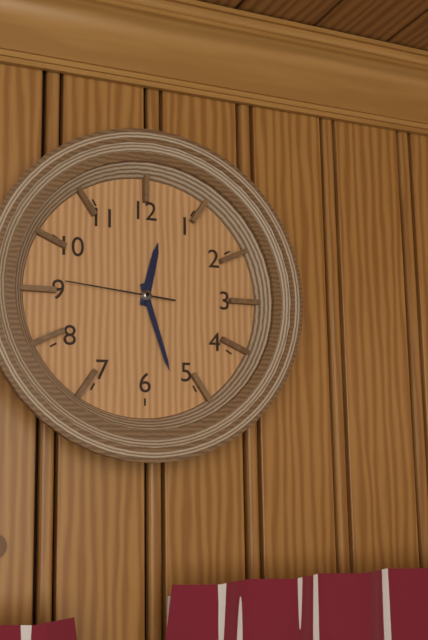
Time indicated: 12:27:46
